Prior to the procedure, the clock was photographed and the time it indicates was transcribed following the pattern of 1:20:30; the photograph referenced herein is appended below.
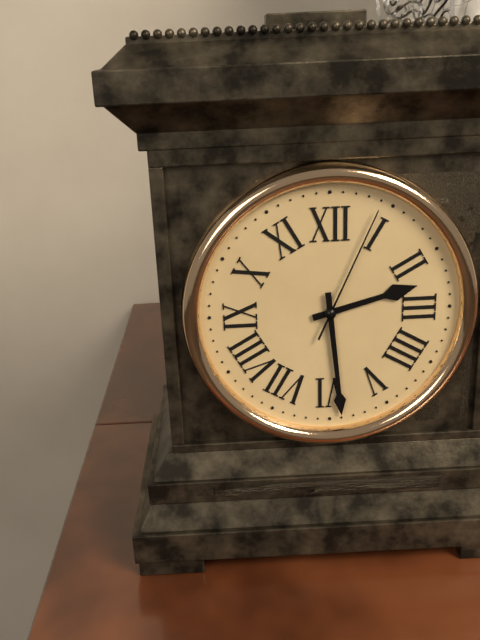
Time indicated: 2:29:04
